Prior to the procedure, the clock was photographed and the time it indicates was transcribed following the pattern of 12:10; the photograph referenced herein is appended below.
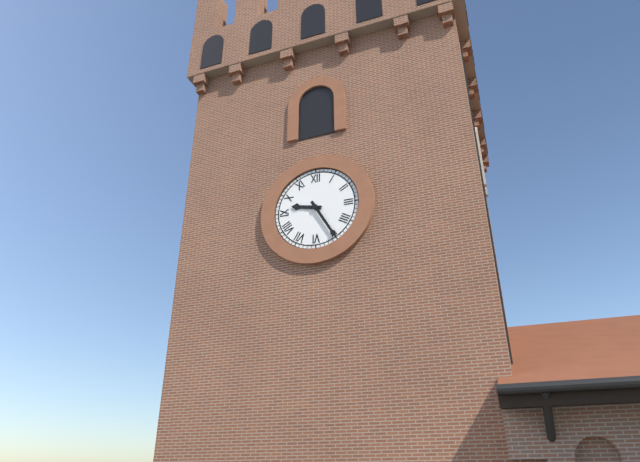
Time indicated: 9:25
